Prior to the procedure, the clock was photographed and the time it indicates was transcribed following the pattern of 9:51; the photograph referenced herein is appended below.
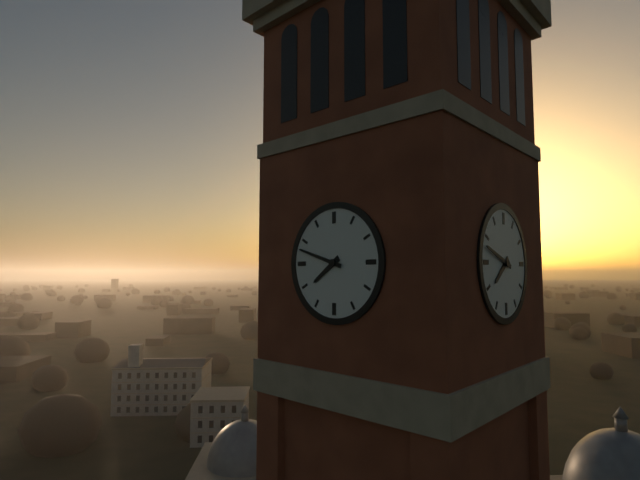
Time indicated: 7:48
